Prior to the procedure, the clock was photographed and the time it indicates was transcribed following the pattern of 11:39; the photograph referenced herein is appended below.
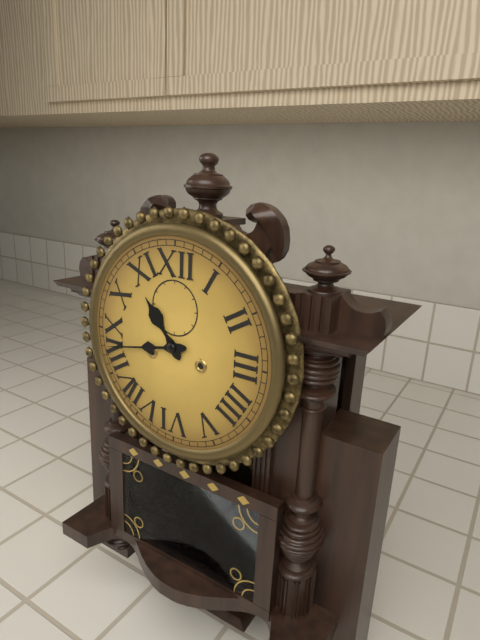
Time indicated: 10:43
